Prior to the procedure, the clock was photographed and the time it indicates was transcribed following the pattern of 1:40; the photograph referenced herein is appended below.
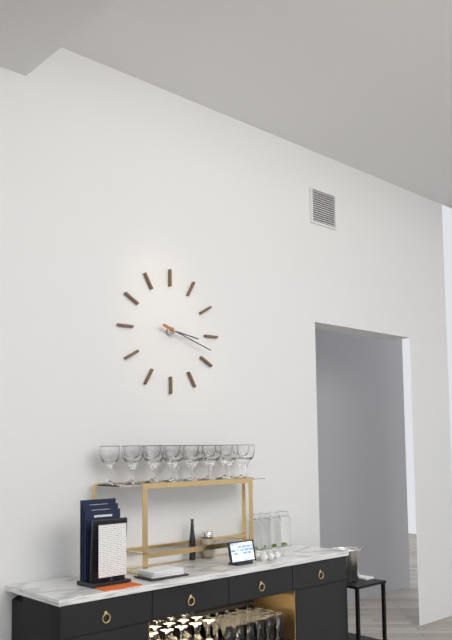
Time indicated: 3:18
